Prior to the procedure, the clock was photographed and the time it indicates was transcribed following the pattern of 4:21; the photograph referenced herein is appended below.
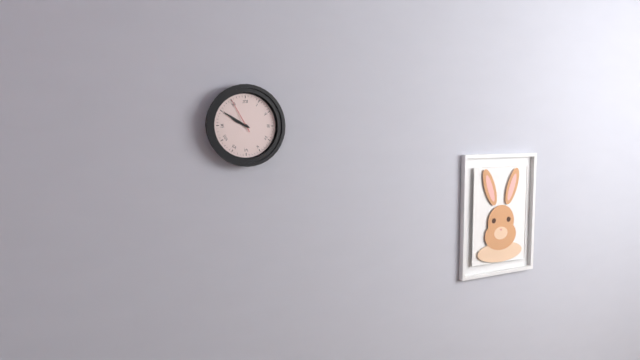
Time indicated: 9:50
